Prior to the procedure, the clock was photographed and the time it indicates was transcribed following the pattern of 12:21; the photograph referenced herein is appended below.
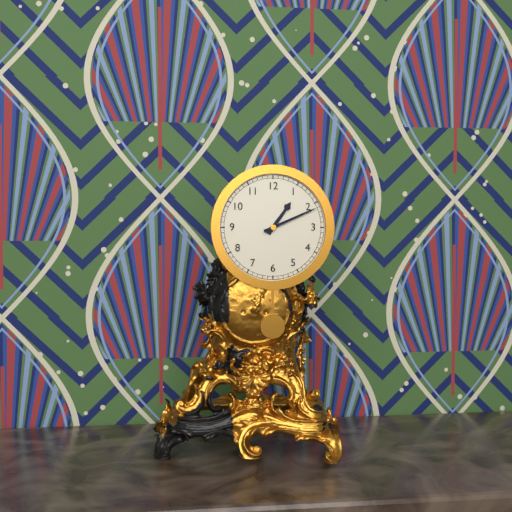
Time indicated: 1:11
